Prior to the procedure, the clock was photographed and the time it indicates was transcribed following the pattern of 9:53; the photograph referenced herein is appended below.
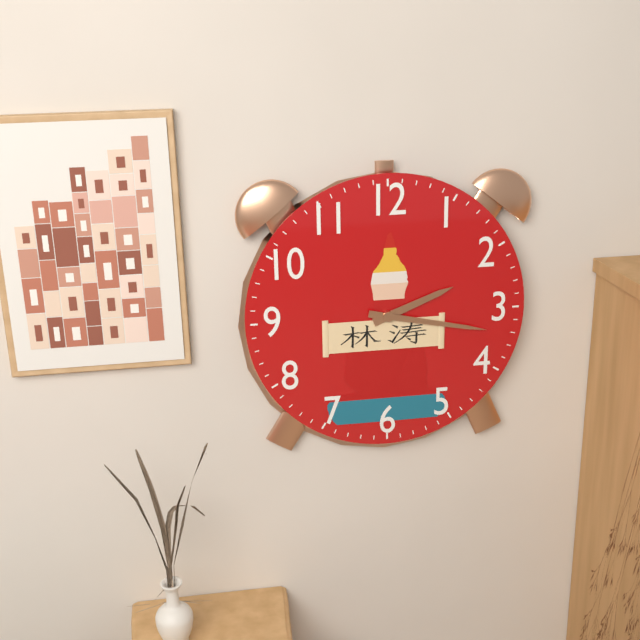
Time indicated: 2:17
